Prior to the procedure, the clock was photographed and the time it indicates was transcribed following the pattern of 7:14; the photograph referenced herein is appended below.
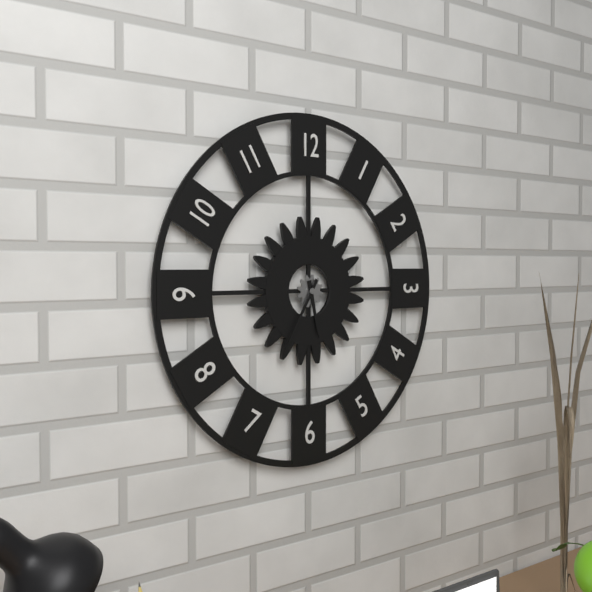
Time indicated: 5:35
